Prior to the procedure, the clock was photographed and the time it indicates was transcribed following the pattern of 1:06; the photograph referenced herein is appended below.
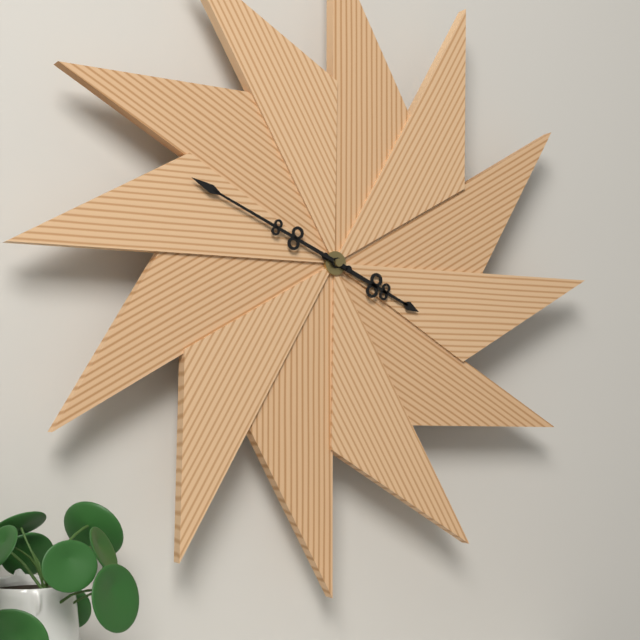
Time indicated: 3:49
